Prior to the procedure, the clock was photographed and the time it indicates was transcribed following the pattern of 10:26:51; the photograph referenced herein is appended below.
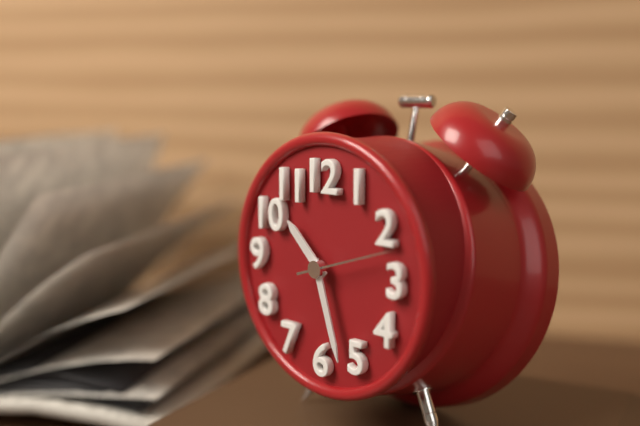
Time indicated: 10:27:12
